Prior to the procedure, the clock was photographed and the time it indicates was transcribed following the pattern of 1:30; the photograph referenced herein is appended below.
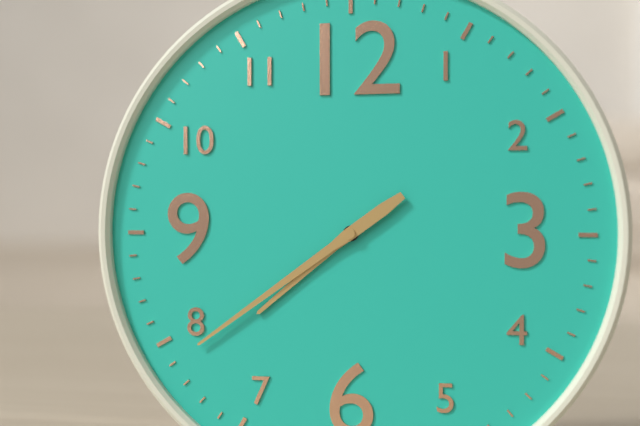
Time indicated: 7:39
